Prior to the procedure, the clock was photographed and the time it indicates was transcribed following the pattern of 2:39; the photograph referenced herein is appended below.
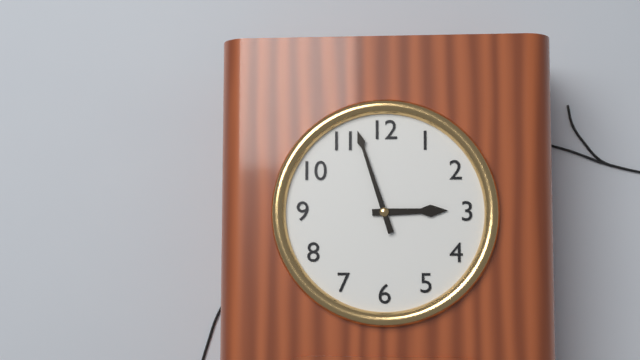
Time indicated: 2:57
